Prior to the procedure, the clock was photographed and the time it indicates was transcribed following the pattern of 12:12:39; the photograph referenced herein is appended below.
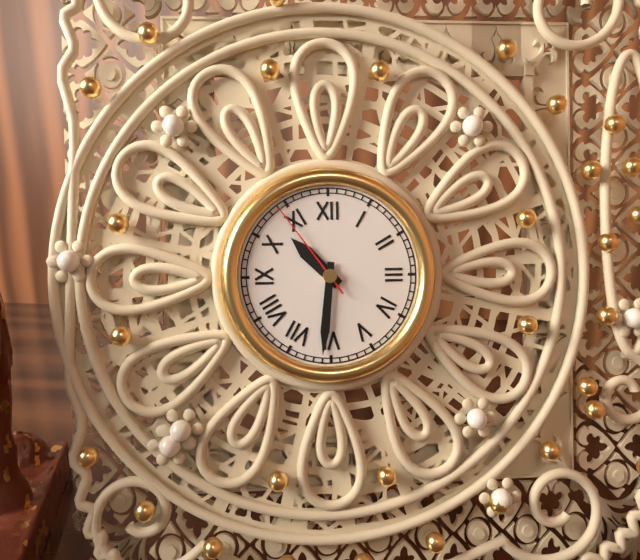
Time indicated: 10:31:54
